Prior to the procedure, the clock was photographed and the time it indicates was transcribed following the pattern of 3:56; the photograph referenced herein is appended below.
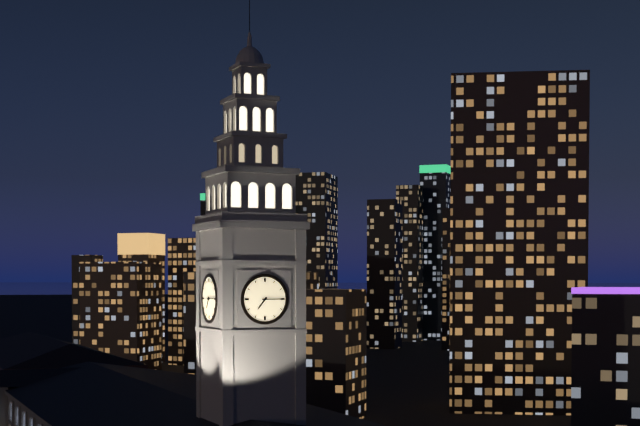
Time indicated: 7:15
